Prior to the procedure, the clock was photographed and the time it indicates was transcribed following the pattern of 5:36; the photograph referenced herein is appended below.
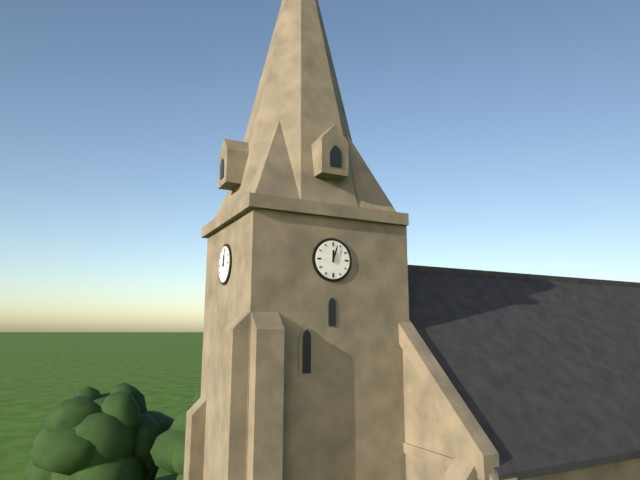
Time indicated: 12:03
